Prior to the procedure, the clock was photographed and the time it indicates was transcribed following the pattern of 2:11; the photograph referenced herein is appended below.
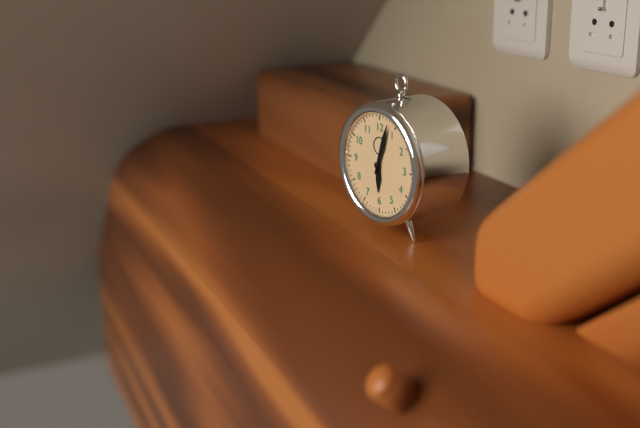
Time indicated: 6:03
